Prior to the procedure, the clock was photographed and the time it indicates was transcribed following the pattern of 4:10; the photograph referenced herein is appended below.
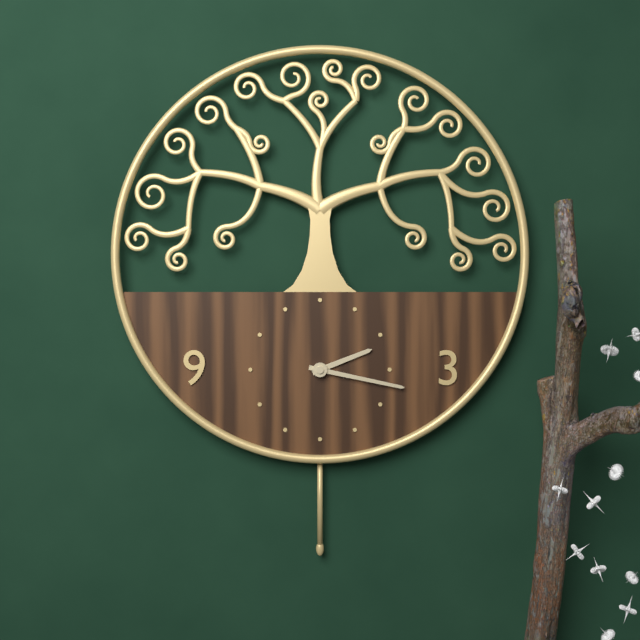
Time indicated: 2:17
